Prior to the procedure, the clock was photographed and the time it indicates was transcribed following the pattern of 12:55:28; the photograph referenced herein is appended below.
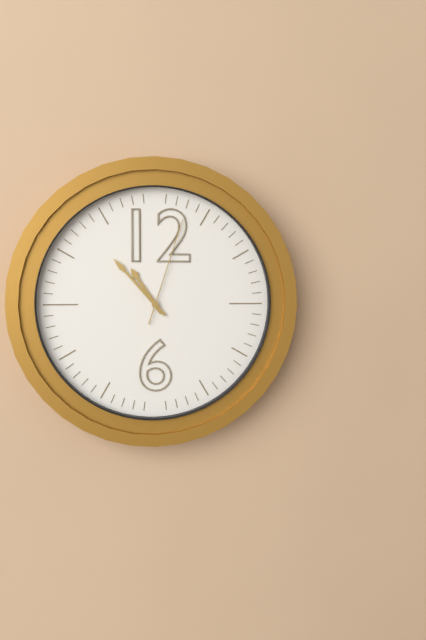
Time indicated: 10:53:03
